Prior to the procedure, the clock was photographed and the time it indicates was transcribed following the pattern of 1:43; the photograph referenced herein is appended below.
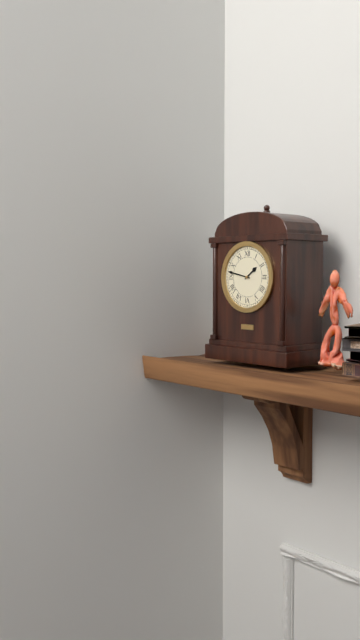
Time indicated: 1:47
